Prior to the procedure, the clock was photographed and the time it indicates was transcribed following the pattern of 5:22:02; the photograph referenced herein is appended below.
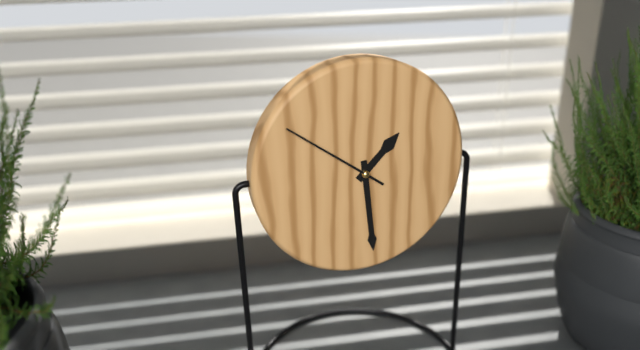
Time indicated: 1:29:51
